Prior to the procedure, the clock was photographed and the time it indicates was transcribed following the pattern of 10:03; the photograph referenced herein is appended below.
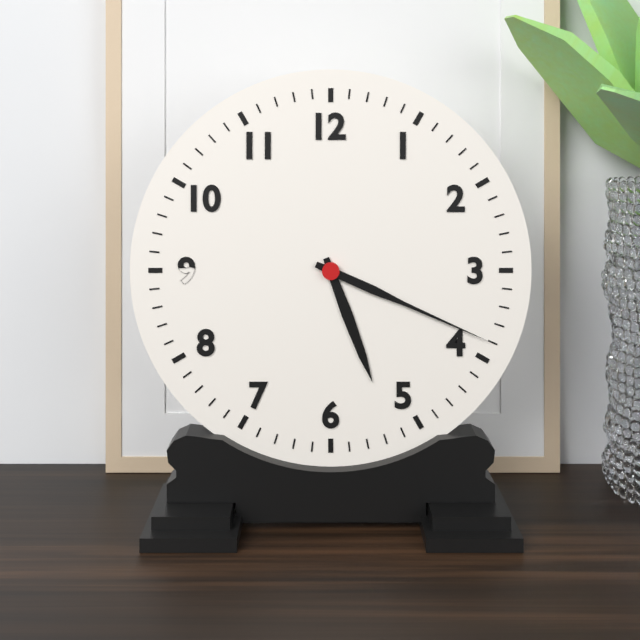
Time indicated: 5:19
